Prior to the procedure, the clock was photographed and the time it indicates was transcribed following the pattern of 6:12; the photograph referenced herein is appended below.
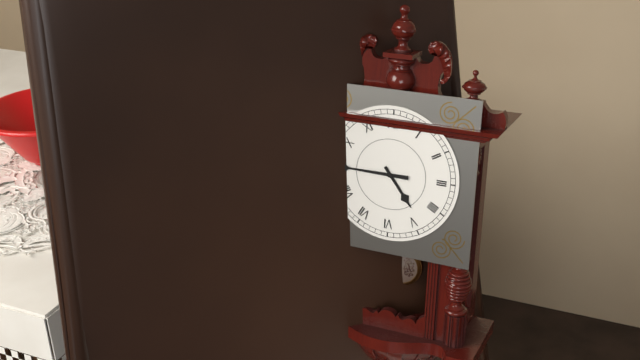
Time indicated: 4:45
